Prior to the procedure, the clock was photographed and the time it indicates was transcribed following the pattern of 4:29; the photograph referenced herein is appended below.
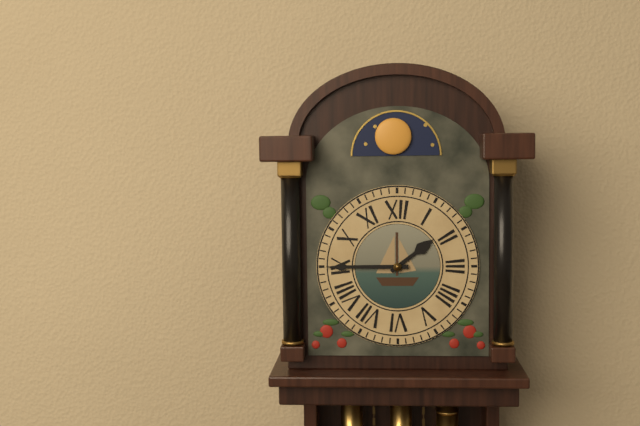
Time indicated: 1:45
